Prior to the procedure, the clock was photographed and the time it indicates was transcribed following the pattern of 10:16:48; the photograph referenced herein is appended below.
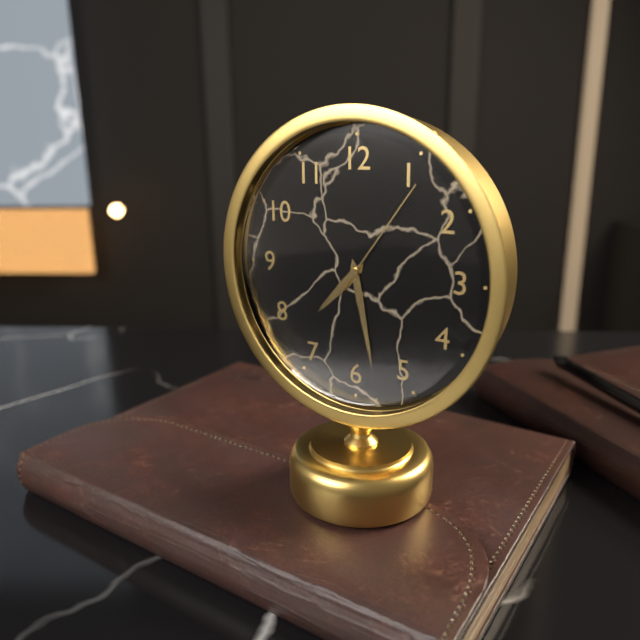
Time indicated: 7:28:06
